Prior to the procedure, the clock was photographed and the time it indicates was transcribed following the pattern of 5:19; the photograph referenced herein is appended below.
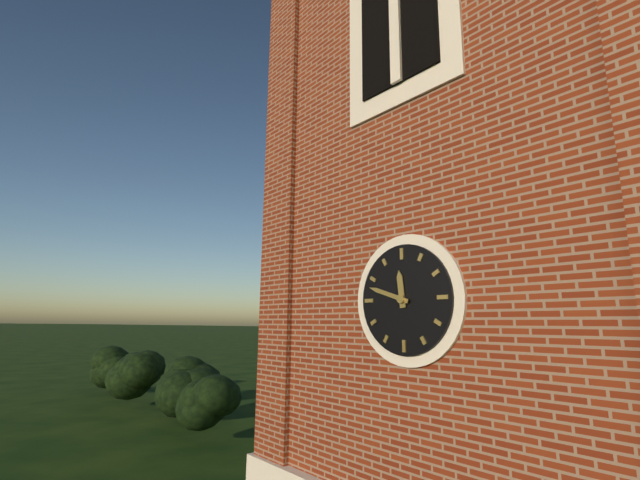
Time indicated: 11:48
